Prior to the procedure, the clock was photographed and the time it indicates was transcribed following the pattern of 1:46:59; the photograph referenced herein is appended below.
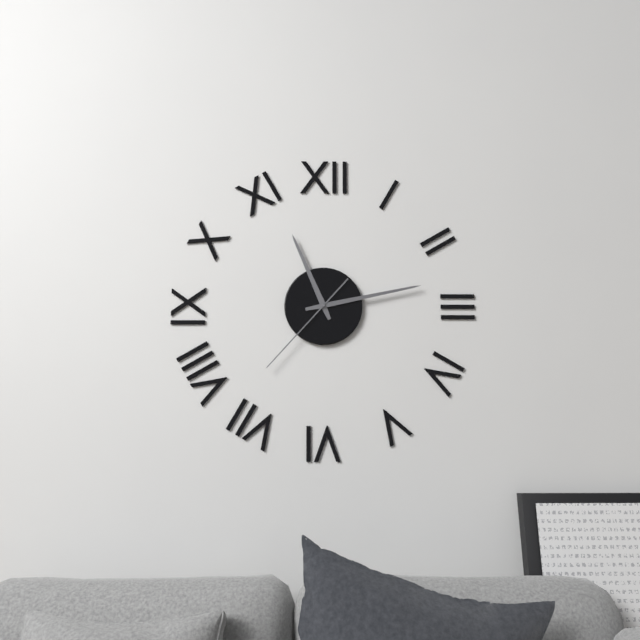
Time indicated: 11:13:37
